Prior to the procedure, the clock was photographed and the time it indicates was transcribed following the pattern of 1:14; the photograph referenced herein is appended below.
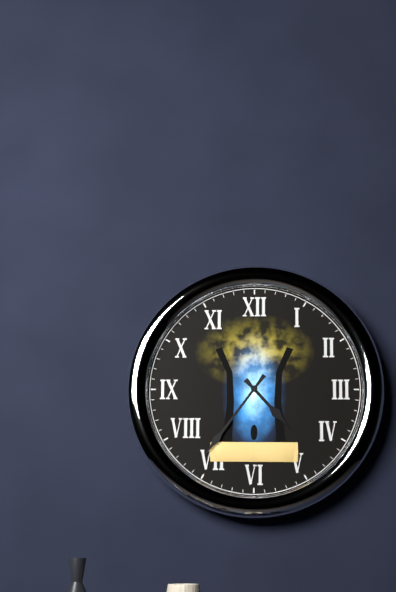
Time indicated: 4:36
